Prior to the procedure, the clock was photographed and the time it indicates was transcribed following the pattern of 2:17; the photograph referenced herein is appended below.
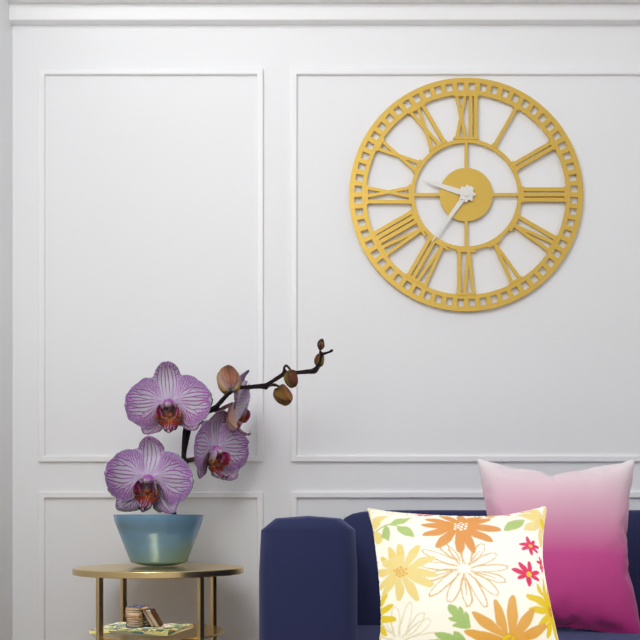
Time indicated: 9:36
